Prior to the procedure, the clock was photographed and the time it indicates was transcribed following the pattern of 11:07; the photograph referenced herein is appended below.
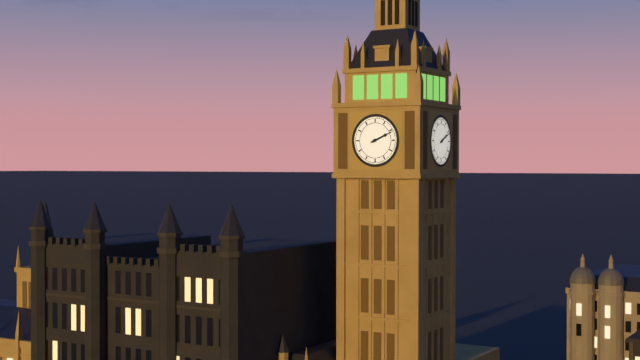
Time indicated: 2:11
